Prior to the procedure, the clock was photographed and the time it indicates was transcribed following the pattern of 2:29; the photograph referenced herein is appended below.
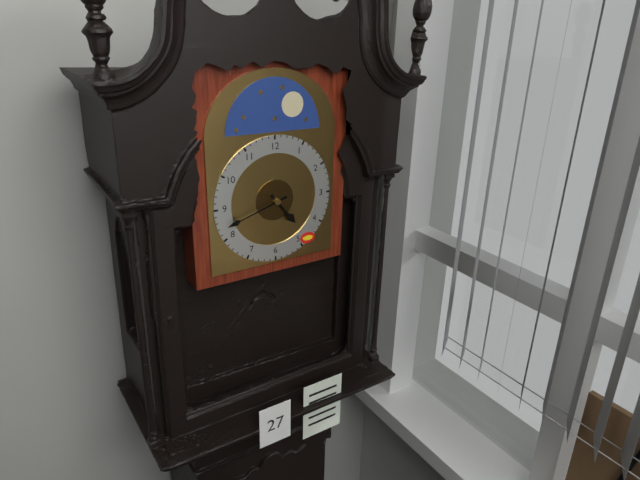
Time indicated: 4:42
